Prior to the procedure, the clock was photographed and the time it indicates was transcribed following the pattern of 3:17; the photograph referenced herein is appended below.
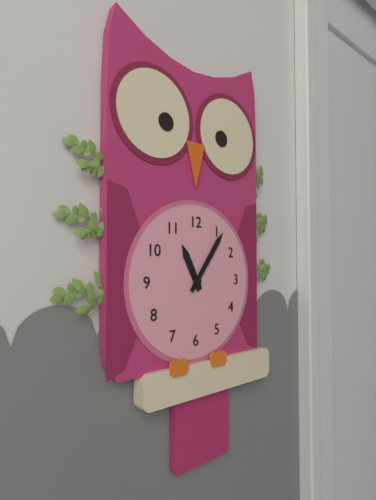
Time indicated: 11:06
